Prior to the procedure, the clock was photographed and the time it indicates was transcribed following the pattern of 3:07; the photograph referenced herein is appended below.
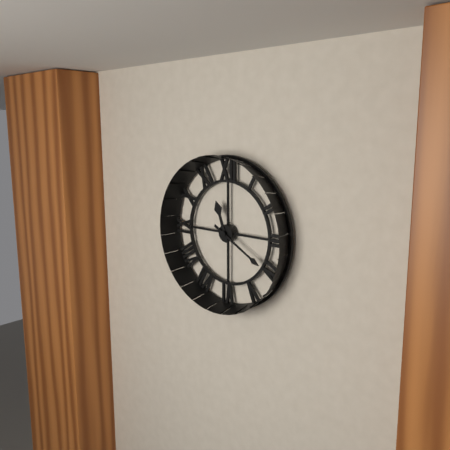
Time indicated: 11:20
